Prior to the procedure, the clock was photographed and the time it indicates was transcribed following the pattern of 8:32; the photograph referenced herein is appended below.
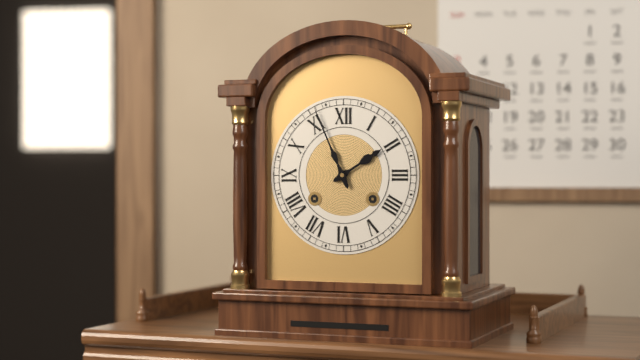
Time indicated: 1:56
